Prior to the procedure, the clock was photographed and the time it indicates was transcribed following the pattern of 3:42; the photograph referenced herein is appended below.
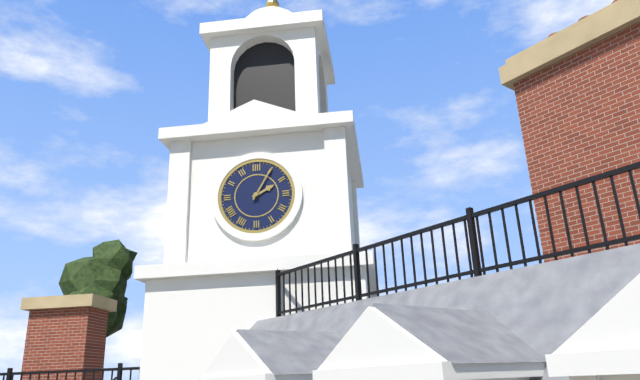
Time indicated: 2:05
